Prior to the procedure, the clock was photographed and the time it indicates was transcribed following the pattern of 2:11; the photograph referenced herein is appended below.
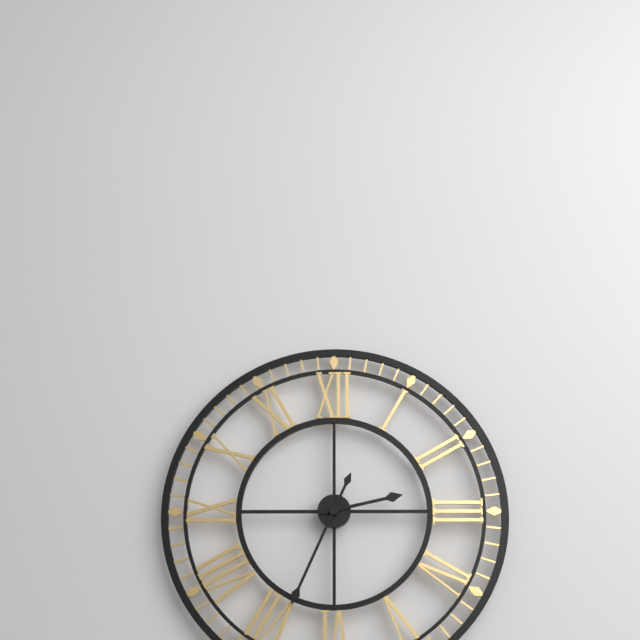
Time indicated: 2:34
